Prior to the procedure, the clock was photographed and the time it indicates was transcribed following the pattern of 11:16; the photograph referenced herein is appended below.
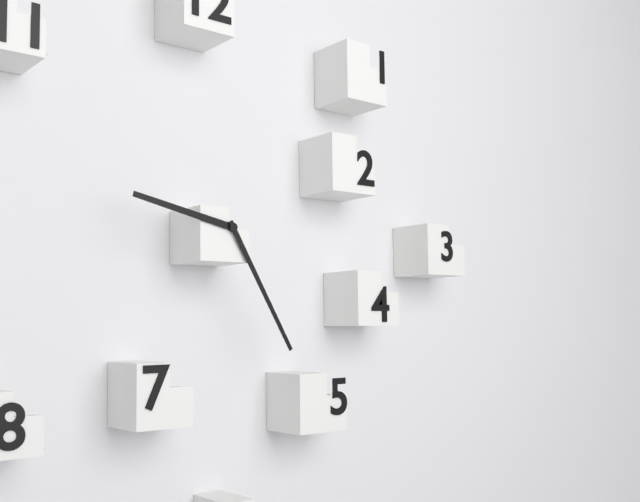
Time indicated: 9:25
